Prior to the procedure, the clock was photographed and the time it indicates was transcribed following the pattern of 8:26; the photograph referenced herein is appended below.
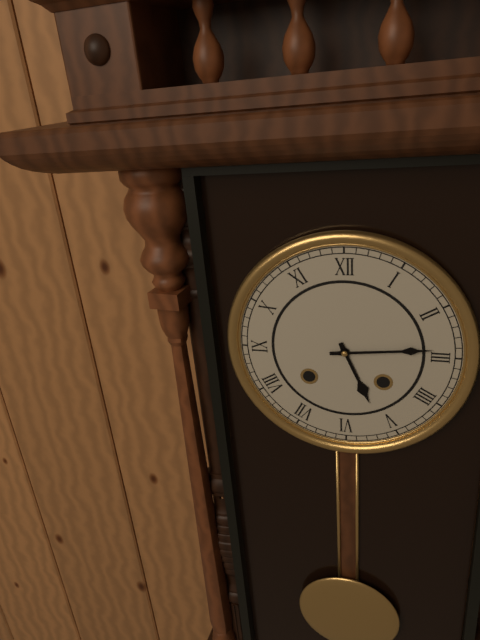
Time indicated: 5:14
